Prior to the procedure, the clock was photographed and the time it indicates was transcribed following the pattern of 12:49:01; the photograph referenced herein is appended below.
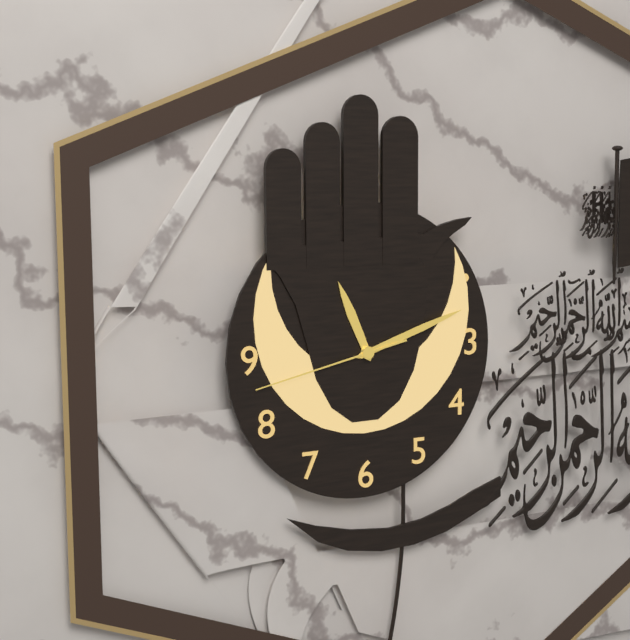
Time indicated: 11:12:43
